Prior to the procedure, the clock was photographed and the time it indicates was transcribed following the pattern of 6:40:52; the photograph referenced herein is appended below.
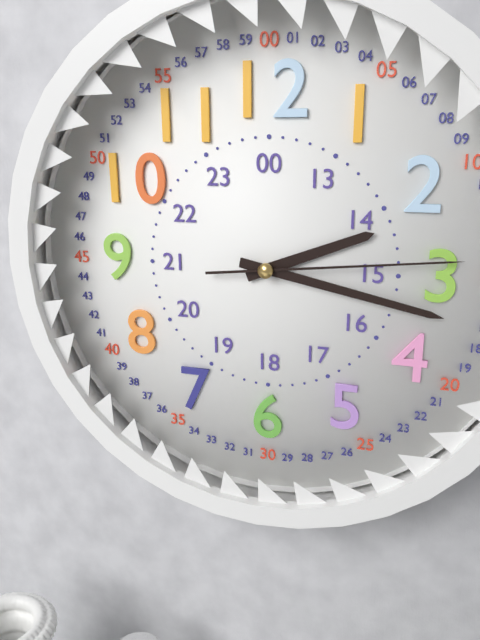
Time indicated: 2:17:14
